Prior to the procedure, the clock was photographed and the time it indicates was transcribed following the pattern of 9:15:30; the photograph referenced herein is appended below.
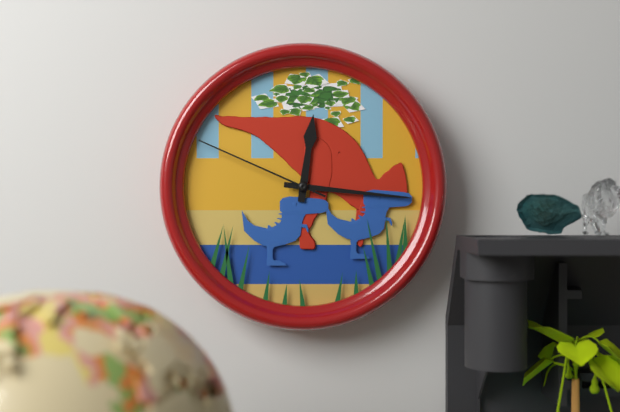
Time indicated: 12:16:49
